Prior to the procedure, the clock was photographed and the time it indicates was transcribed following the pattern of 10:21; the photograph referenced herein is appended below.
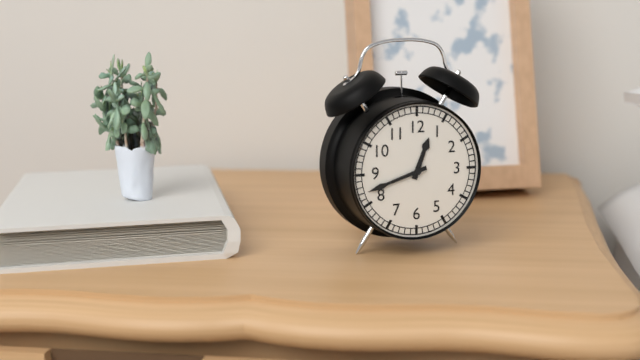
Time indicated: 12:42
